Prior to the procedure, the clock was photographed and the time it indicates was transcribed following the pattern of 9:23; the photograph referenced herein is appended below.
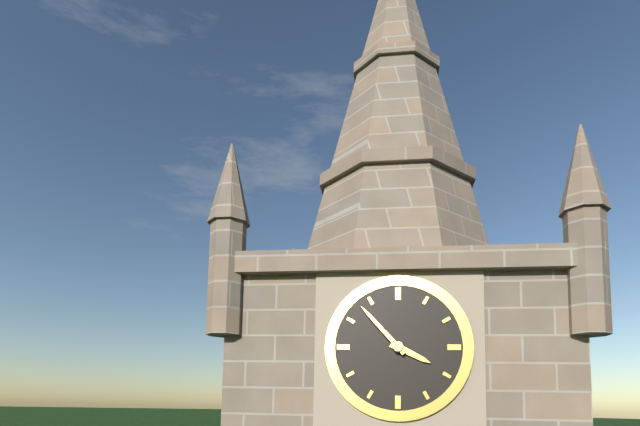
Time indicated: 3:53
